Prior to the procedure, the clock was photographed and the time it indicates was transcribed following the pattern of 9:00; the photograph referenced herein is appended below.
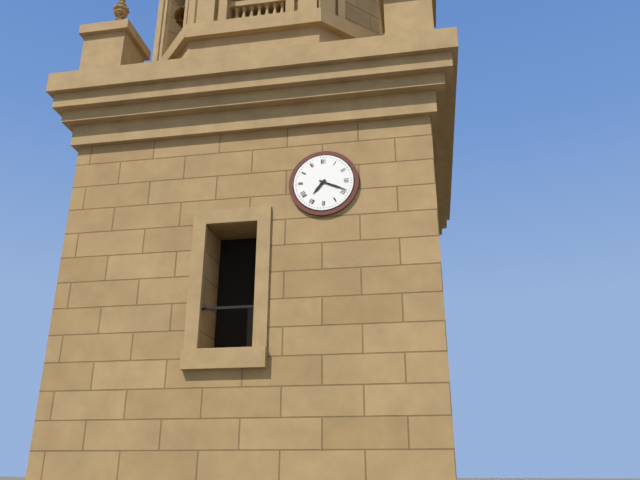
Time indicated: 7:19
